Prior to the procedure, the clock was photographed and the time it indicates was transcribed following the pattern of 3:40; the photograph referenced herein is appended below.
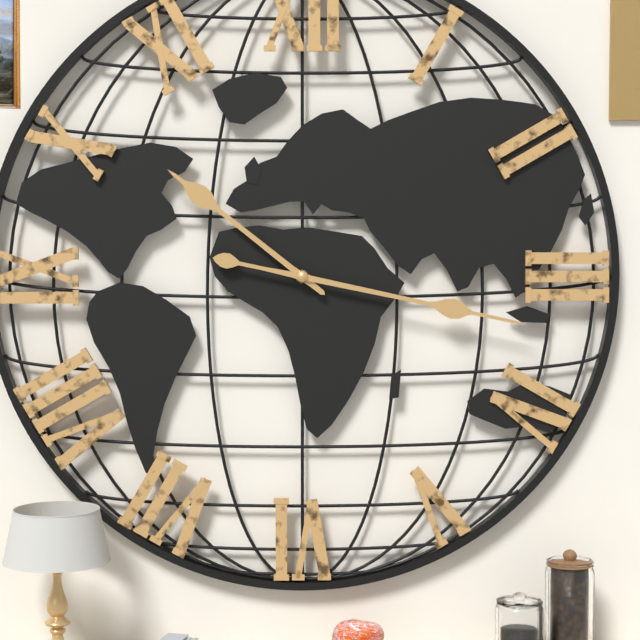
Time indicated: 10:17
